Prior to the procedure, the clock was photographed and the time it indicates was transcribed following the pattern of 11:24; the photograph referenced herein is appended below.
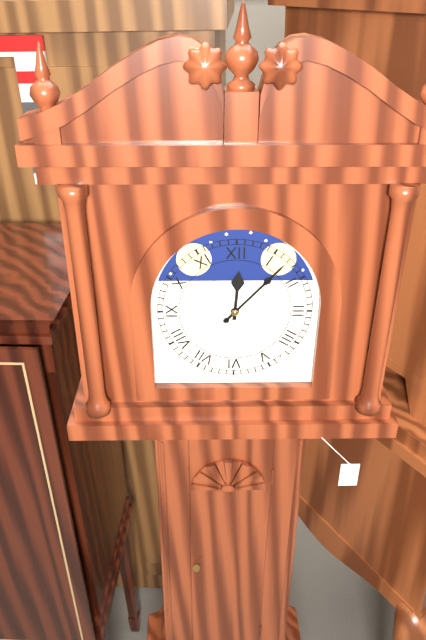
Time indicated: 12:07
